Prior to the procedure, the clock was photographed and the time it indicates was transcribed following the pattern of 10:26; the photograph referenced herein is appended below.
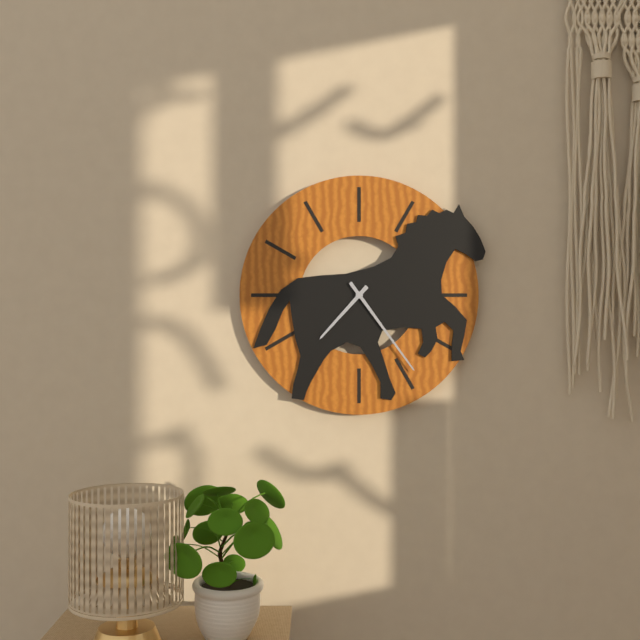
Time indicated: 7:24
